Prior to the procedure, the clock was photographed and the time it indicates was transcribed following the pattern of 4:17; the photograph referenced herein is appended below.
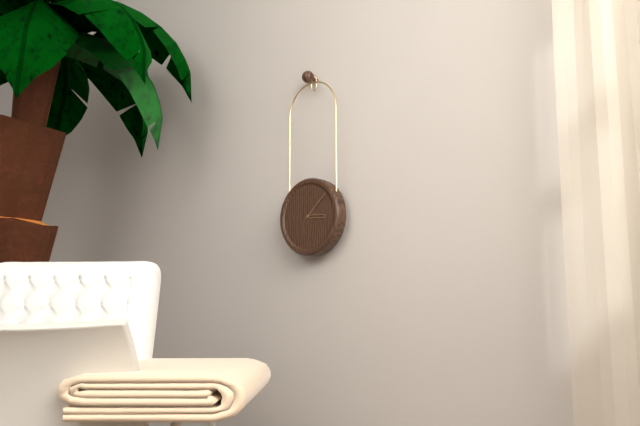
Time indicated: 3:08
